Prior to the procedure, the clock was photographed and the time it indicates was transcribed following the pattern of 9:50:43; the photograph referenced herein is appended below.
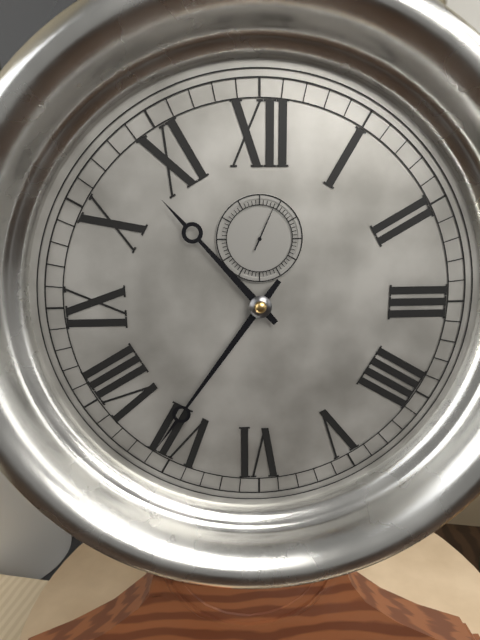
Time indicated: 10:36:04
